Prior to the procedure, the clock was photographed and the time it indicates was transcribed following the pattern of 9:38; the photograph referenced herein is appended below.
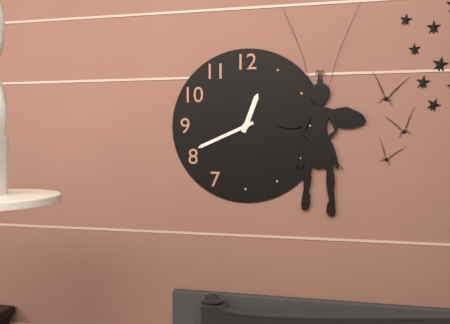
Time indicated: 12:41
